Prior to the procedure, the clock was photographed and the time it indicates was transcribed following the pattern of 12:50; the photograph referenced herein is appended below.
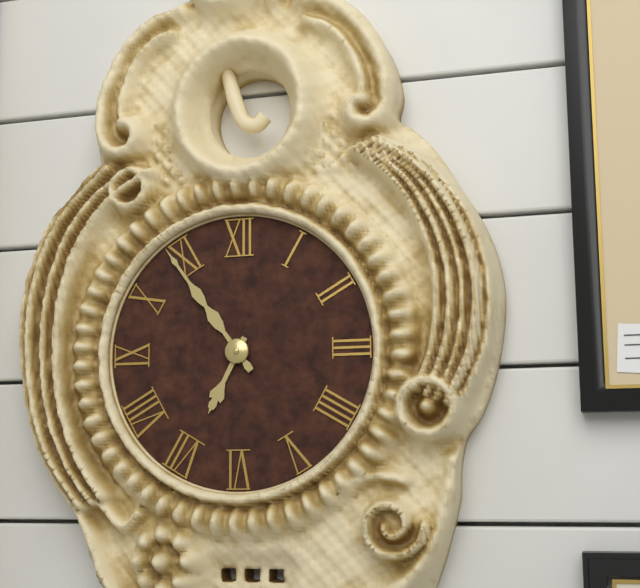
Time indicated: 6:54
